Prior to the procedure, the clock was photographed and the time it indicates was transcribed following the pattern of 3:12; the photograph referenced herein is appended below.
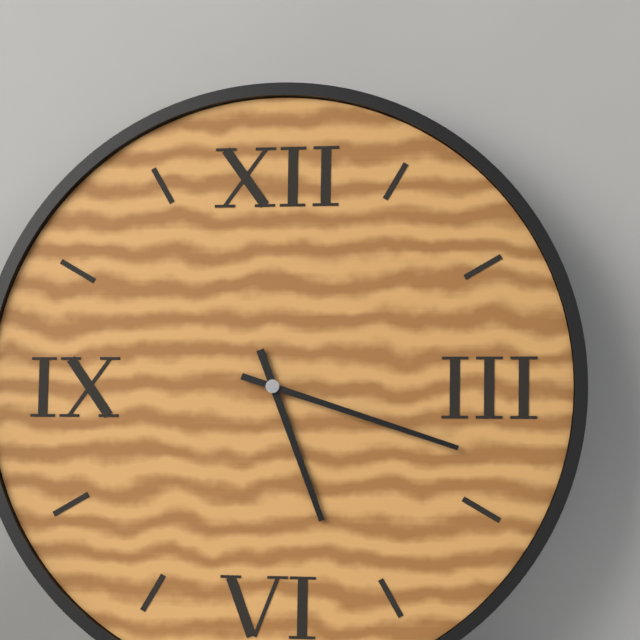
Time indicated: 5:18
